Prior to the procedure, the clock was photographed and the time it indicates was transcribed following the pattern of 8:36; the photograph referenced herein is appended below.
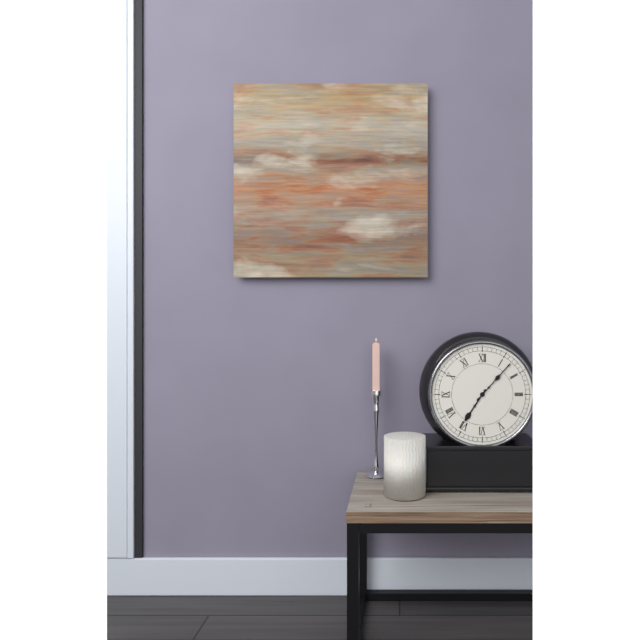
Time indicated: 7:07
